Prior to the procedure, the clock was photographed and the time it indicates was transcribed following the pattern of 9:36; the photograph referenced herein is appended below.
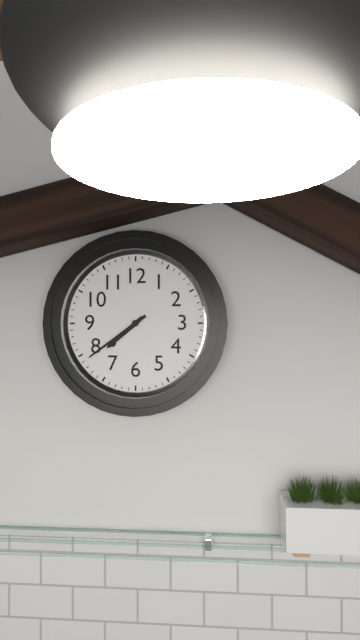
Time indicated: 7:39
